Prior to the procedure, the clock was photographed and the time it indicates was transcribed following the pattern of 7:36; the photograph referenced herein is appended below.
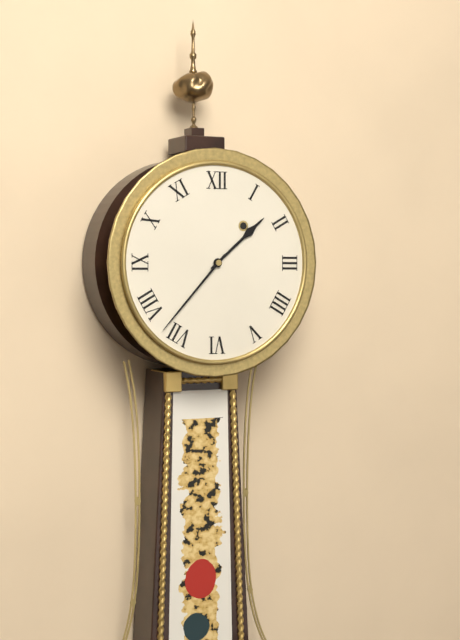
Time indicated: 1:37
